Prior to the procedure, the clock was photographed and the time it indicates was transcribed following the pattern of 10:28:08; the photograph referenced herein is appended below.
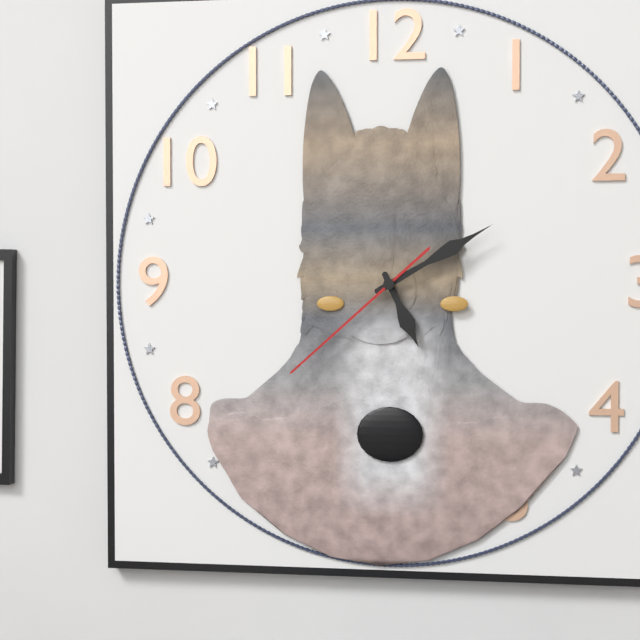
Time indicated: 5:10:38
